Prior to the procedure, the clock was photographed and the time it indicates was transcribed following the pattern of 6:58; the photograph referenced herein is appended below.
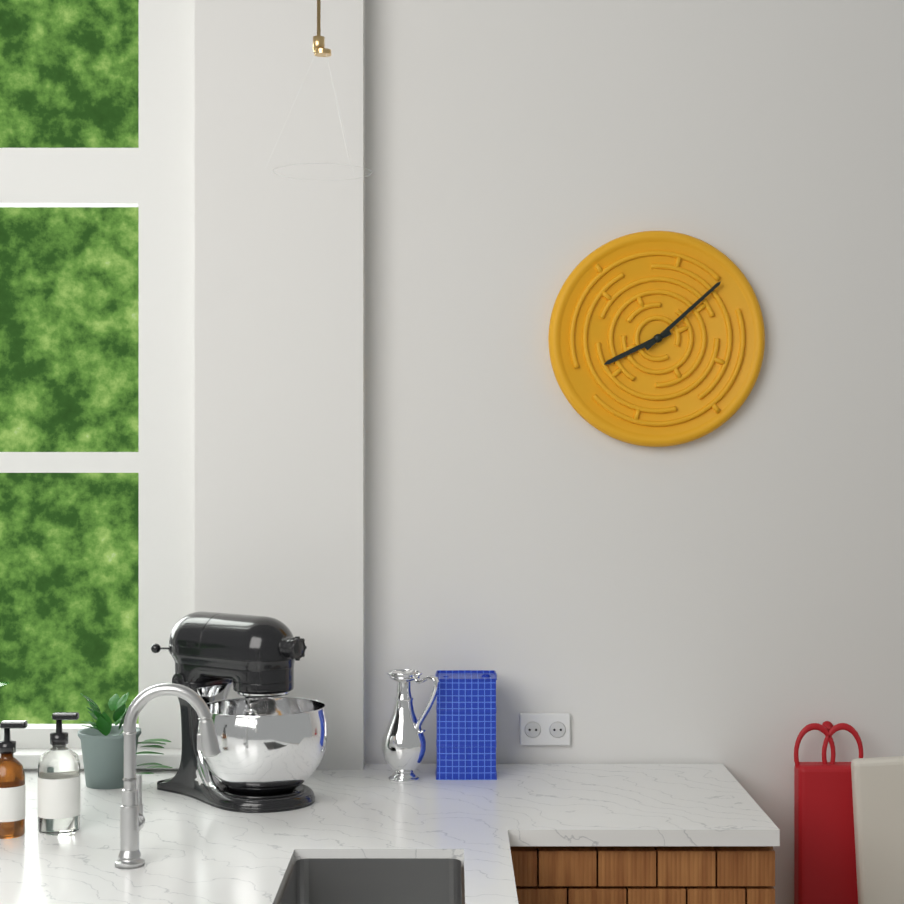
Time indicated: 8:08
